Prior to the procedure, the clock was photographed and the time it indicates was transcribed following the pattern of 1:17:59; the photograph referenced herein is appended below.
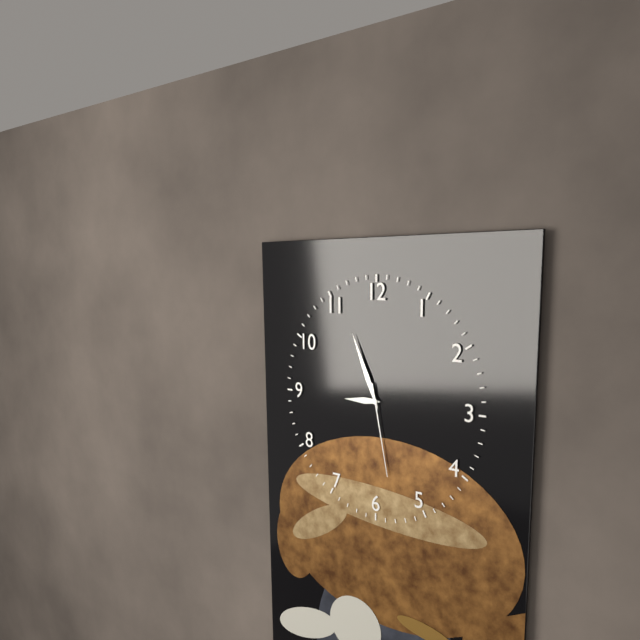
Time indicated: 8:56:28
